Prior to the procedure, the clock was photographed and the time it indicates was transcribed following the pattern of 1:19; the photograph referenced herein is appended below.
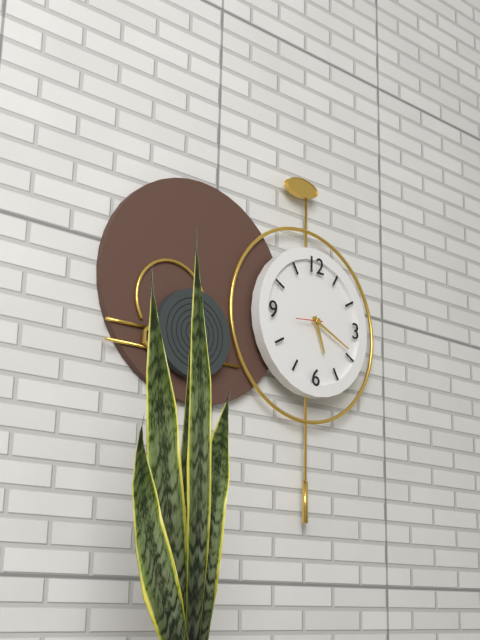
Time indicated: 5:19
